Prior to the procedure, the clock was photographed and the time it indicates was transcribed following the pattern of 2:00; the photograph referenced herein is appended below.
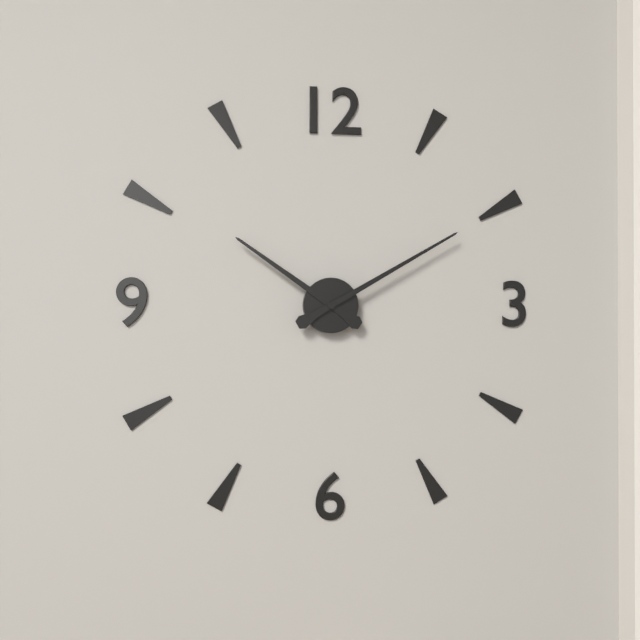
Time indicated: 10:10
